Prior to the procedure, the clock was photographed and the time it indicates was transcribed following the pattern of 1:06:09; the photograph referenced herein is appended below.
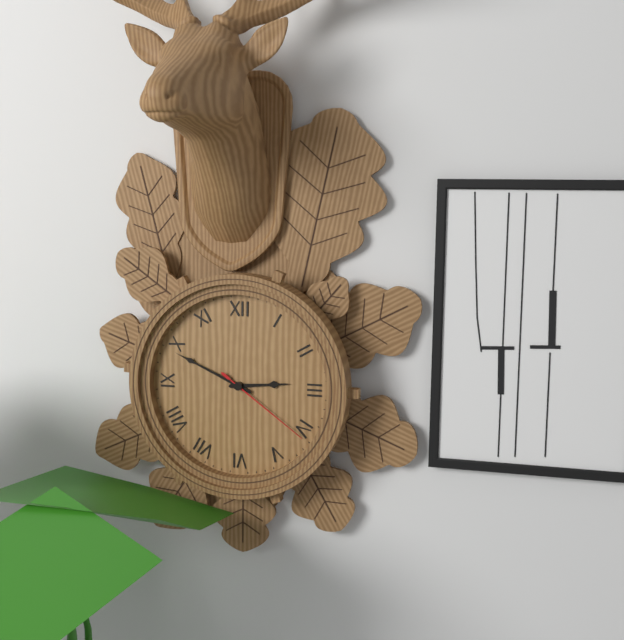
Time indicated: 2:49:21
